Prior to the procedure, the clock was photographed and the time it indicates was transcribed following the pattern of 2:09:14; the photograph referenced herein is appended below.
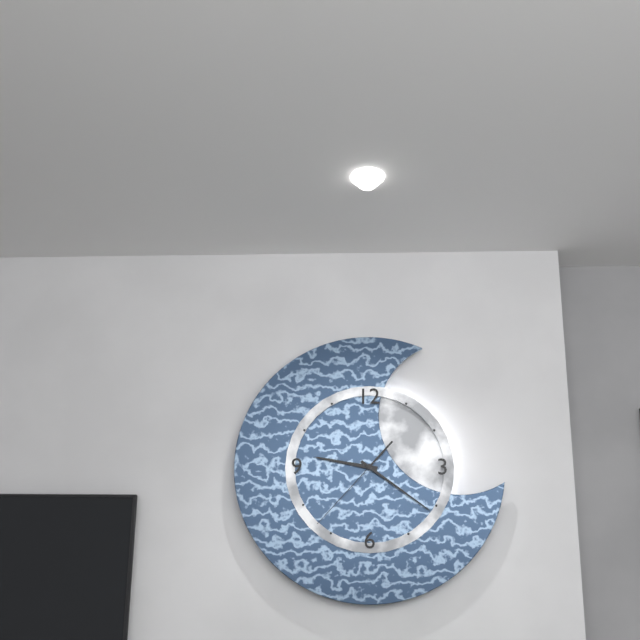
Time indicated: 9:21:37
